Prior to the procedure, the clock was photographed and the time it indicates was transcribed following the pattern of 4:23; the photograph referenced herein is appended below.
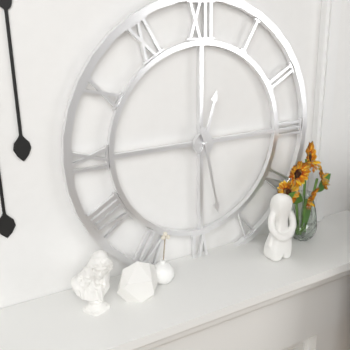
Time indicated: 12:28
